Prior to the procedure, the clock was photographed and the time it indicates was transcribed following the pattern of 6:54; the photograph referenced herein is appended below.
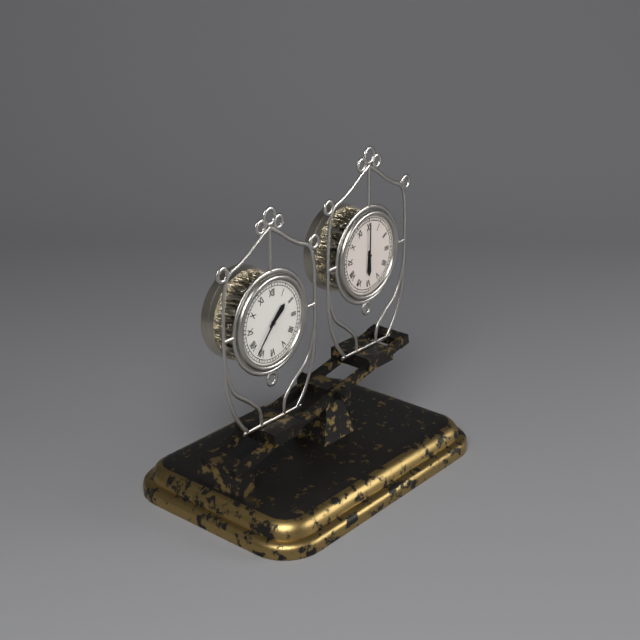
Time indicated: 1:37
